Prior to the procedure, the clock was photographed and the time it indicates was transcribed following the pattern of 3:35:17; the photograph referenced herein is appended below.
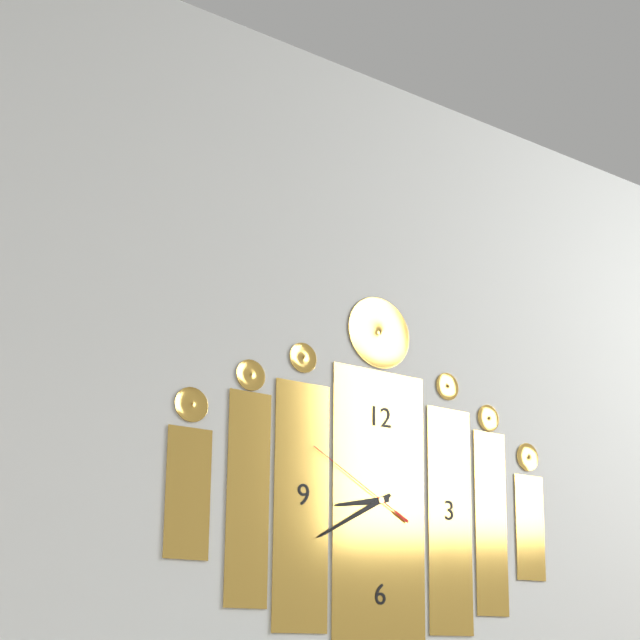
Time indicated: 8:40:50
